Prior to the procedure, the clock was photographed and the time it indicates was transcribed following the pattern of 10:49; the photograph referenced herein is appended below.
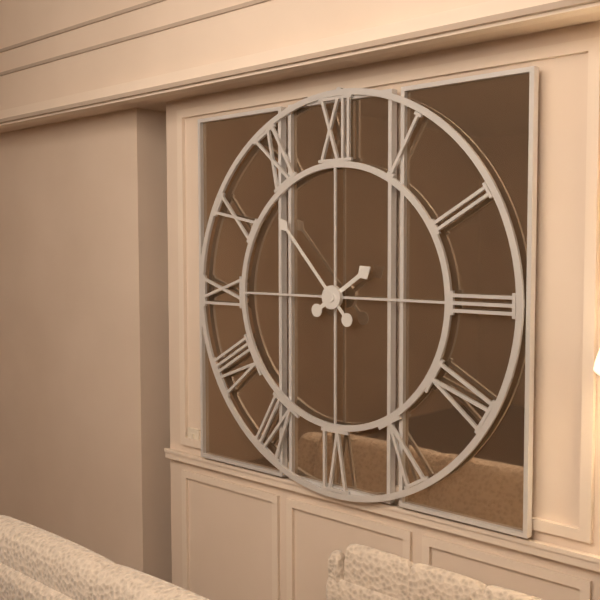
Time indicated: 1:53
